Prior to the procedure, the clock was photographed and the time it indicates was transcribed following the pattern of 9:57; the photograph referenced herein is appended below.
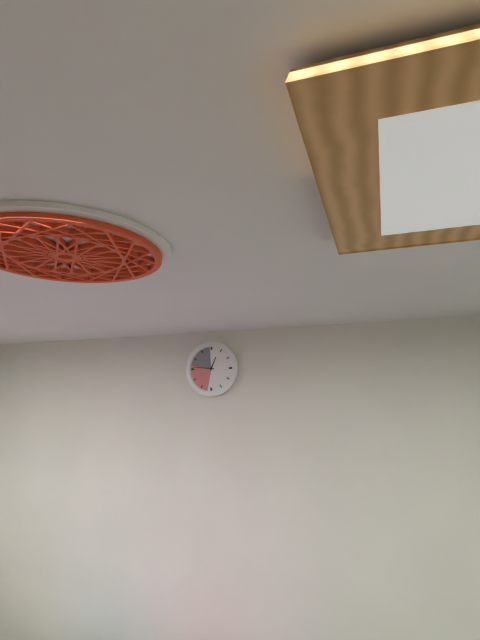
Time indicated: 12:46
